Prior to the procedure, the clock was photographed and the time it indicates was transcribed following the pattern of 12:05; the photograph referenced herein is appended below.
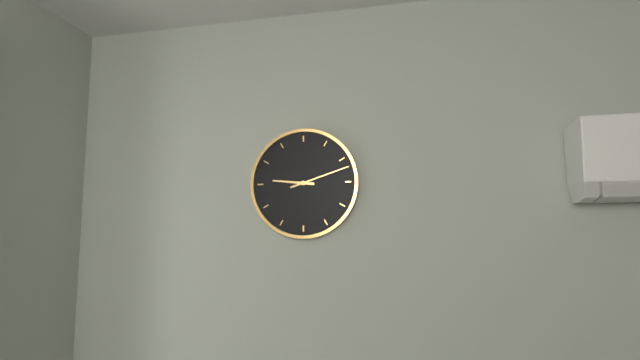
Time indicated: 9:12
